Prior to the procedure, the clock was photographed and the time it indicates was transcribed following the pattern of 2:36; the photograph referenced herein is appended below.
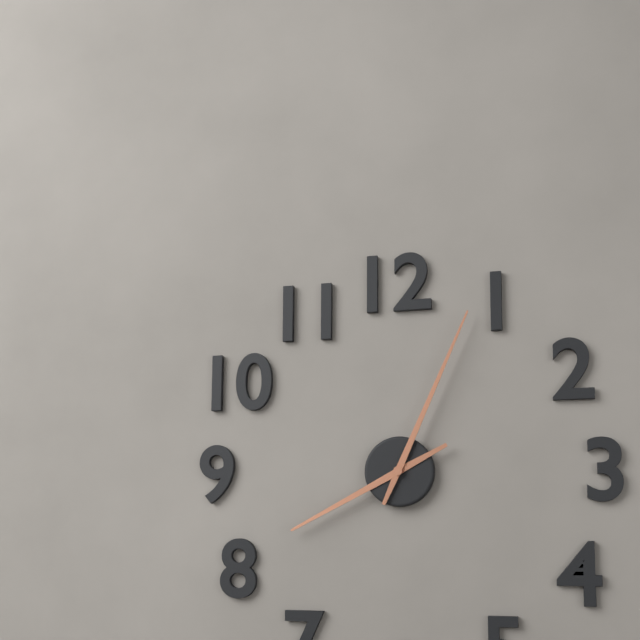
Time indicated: 8:04
